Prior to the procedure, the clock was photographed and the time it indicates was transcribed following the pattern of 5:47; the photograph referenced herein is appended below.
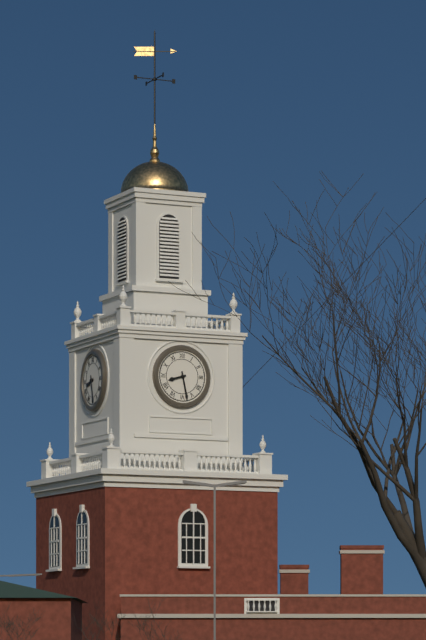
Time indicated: 8:28
